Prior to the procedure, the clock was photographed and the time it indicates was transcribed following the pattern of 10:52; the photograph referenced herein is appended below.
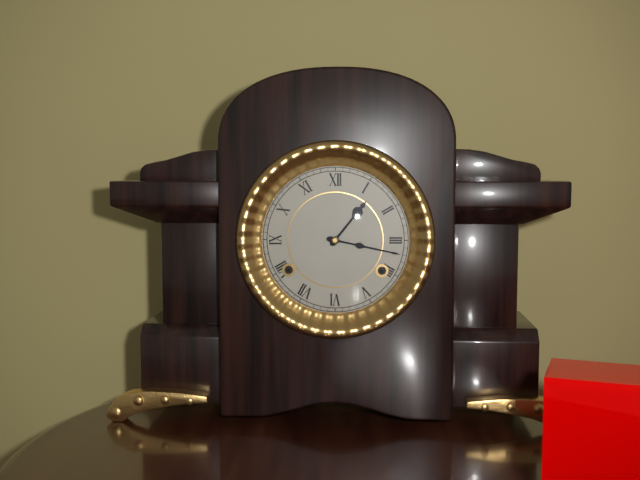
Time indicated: 1:17
